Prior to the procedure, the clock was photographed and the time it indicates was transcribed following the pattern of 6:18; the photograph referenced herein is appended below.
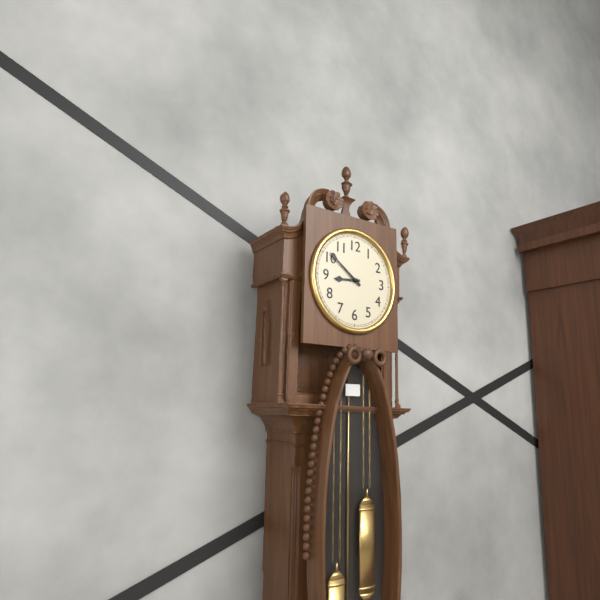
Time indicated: 8:51
